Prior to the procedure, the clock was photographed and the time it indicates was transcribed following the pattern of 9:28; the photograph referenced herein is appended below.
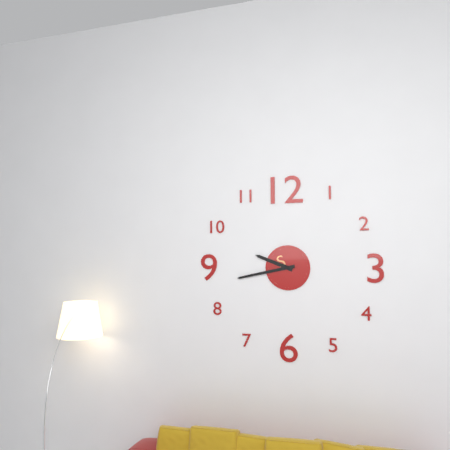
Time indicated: 9:43
